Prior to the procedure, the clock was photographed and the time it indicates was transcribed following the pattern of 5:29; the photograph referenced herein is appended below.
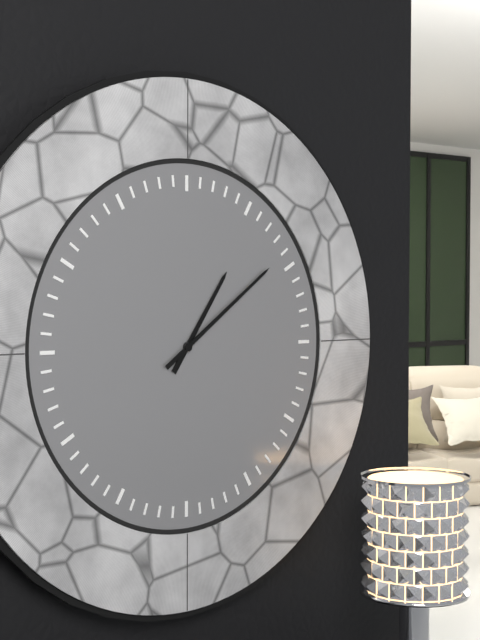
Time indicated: 1:09
